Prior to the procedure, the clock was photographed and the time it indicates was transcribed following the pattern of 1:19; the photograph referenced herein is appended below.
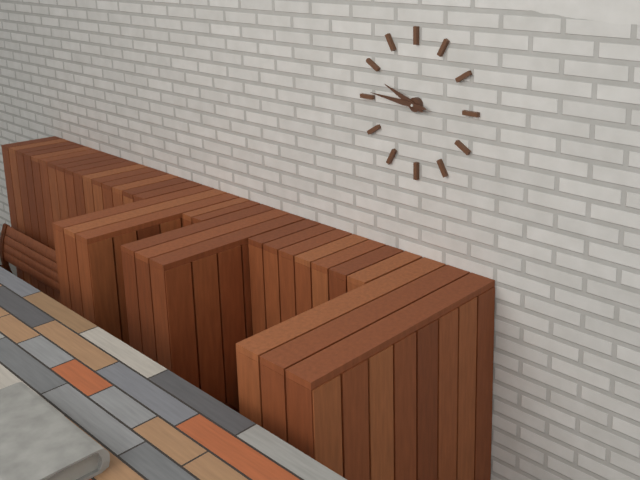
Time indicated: 9:46
